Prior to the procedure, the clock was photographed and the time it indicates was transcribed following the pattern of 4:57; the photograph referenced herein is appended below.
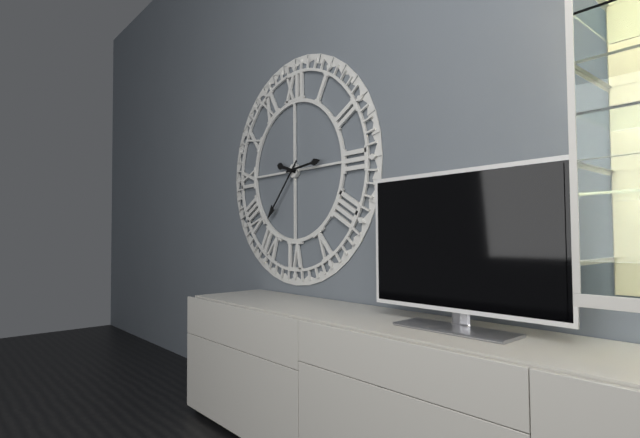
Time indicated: 9:37
